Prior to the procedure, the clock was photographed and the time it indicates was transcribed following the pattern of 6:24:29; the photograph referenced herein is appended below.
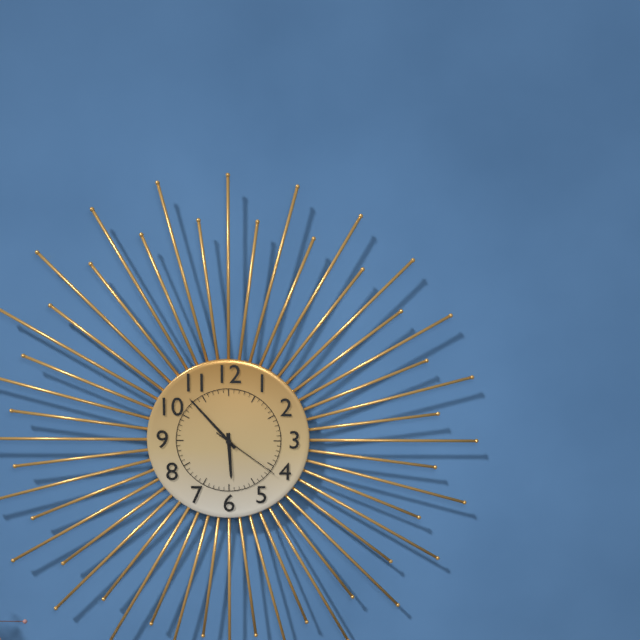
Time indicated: 5:53:21
